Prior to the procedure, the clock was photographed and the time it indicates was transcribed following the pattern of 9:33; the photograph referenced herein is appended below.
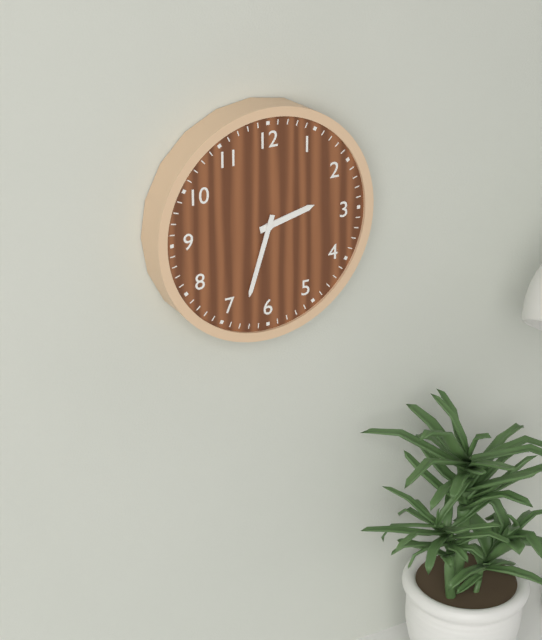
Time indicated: 2:33
